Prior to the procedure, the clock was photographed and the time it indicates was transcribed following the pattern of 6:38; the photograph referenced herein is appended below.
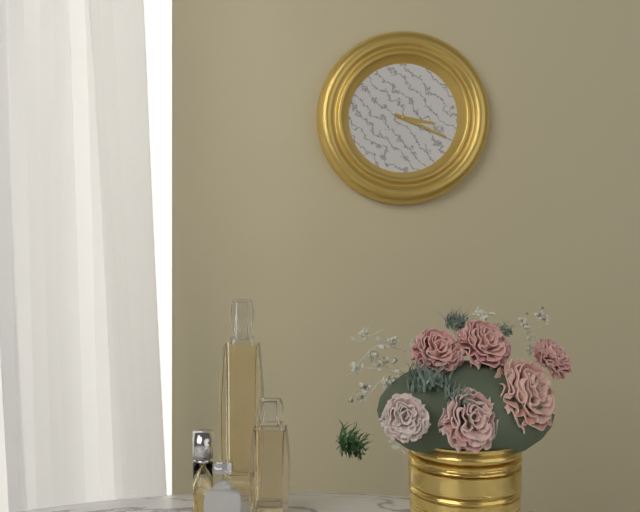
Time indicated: 3:19
